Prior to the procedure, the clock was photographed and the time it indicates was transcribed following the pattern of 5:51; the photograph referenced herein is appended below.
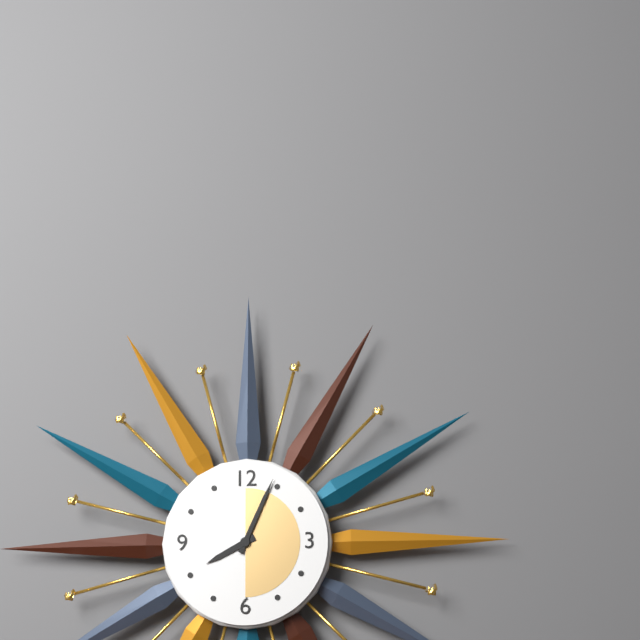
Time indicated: 8:04
